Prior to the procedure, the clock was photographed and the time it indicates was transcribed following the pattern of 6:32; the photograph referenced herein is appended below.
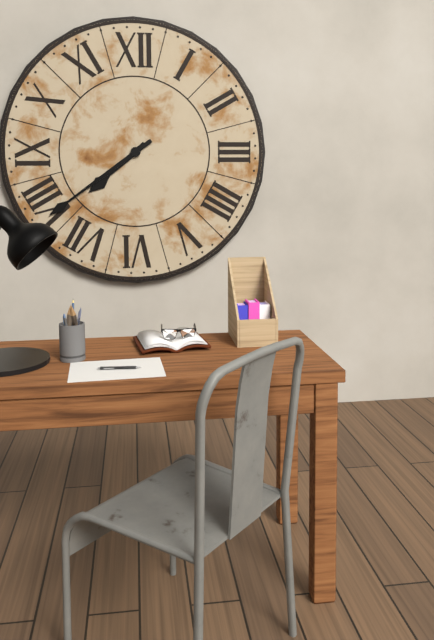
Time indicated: 7:39
